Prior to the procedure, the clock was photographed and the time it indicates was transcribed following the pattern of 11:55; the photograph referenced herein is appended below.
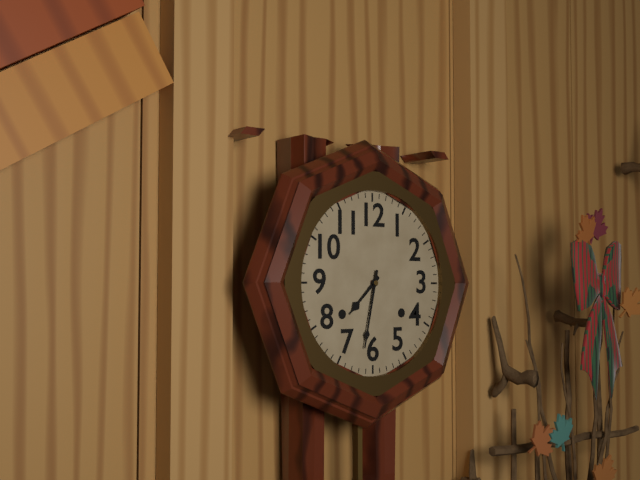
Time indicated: 7:32
